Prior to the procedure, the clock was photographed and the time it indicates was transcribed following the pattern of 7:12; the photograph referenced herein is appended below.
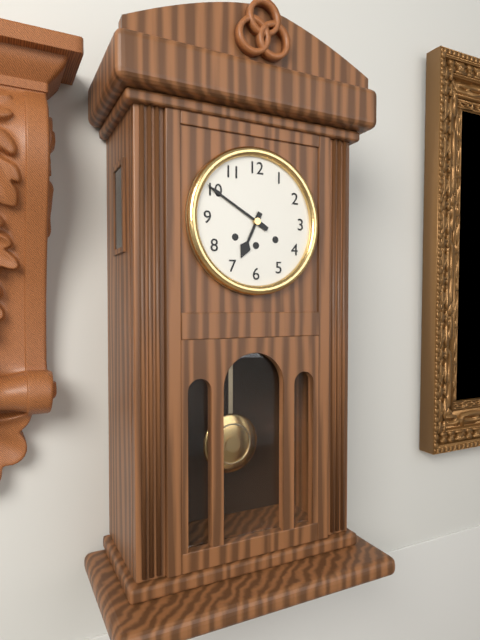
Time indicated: 6:50
